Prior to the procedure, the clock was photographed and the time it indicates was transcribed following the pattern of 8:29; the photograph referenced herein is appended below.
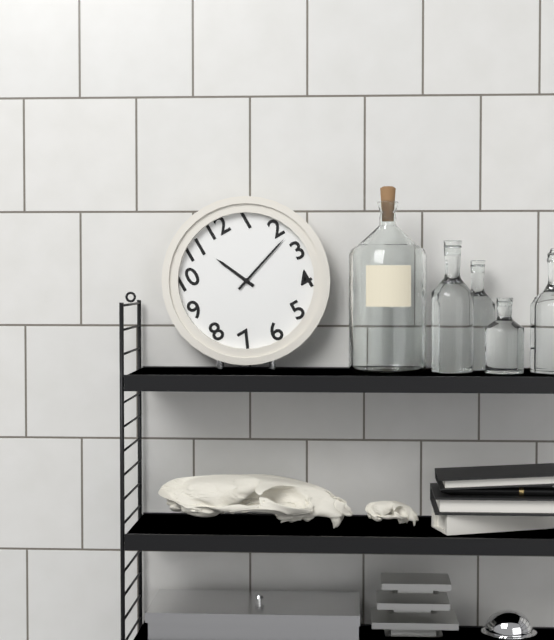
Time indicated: 11:12
